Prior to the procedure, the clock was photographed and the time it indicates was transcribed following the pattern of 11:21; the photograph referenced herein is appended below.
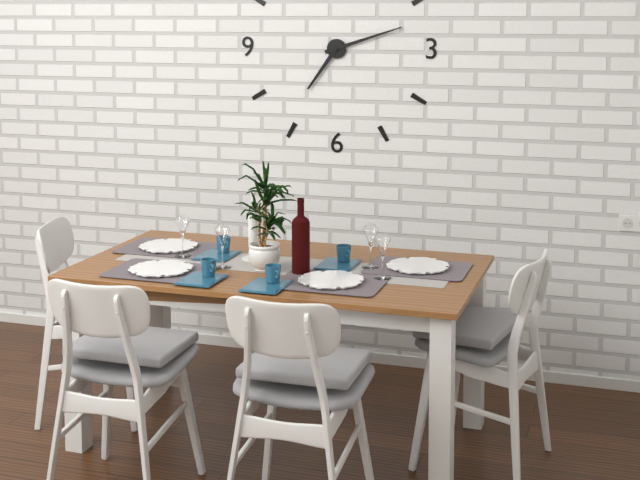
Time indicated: 7:12
